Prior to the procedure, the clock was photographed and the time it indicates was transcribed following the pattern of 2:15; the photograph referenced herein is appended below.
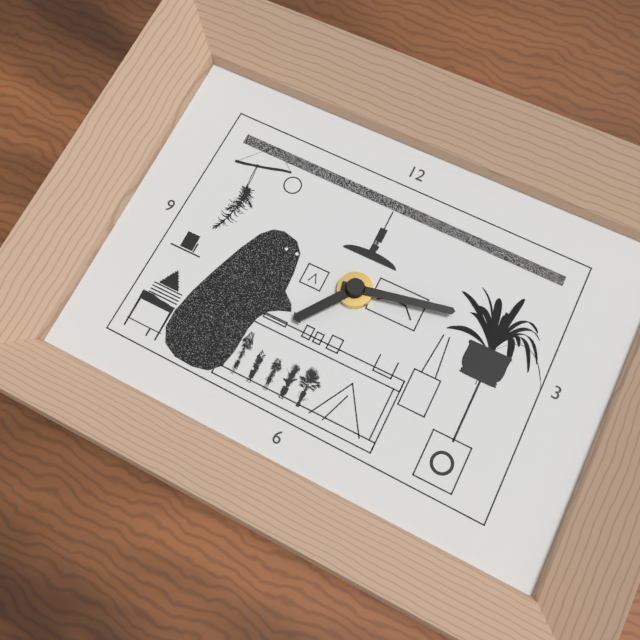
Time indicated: 7:13
